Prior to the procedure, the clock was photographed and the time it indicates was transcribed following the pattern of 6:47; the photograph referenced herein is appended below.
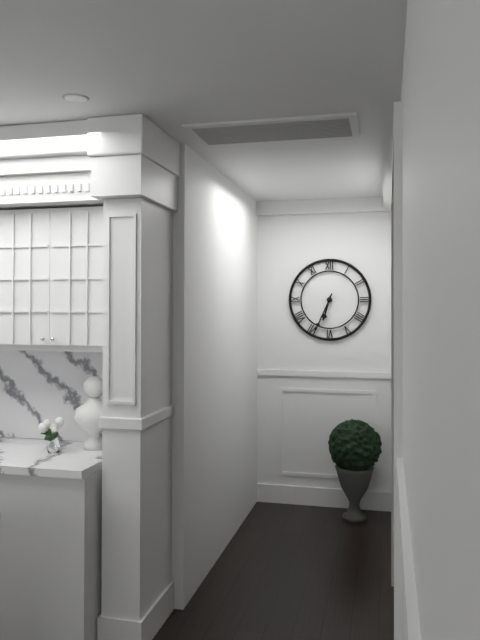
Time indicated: 6:34
